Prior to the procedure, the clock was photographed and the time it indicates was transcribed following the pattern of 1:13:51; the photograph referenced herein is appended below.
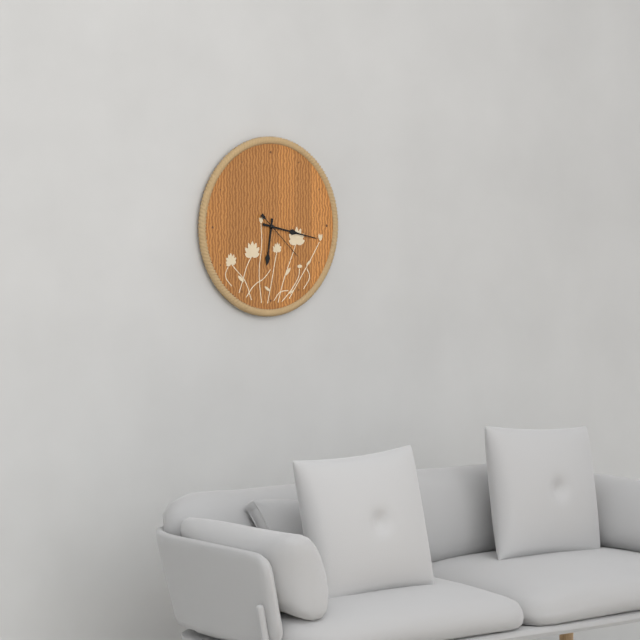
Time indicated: 6:17:22
